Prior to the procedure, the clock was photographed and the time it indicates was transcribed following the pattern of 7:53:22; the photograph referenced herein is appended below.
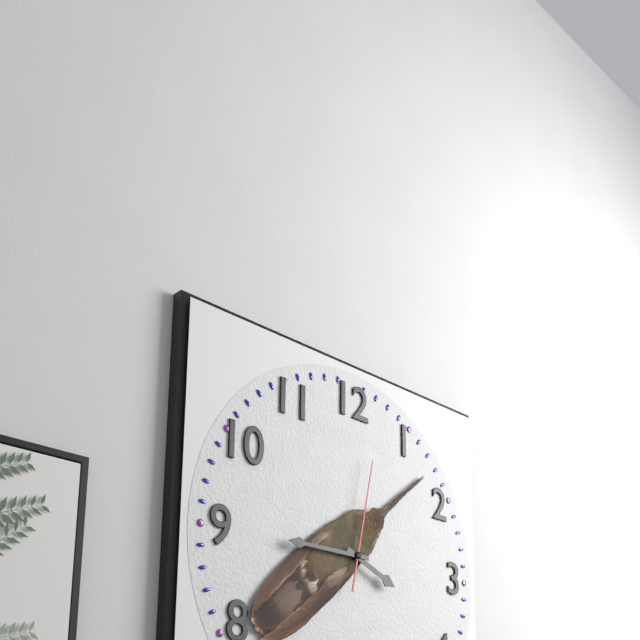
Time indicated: 3:45:02
